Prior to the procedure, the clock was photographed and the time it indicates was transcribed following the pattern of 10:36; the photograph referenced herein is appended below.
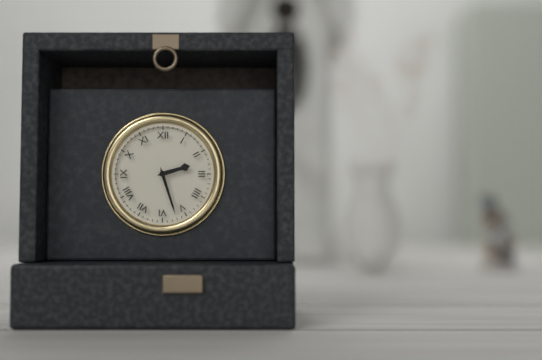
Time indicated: 2:27
